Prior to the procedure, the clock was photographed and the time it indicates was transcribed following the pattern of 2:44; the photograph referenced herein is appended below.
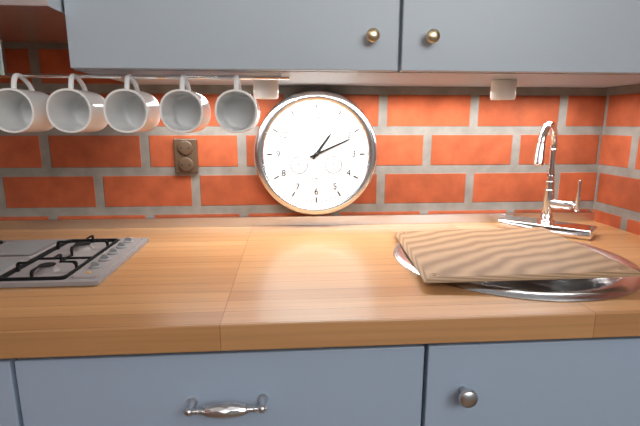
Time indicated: 1:11
